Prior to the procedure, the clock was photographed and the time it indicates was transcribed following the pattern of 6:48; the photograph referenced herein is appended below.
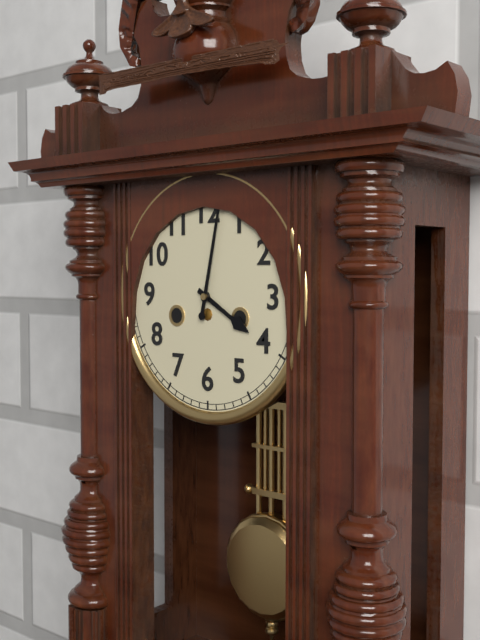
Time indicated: 4:02
